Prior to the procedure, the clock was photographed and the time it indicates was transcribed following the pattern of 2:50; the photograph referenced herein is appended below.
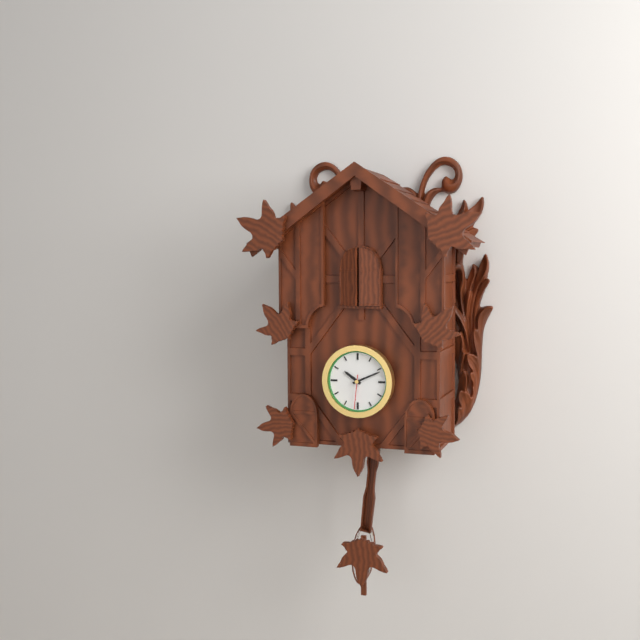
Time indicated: 10:11
